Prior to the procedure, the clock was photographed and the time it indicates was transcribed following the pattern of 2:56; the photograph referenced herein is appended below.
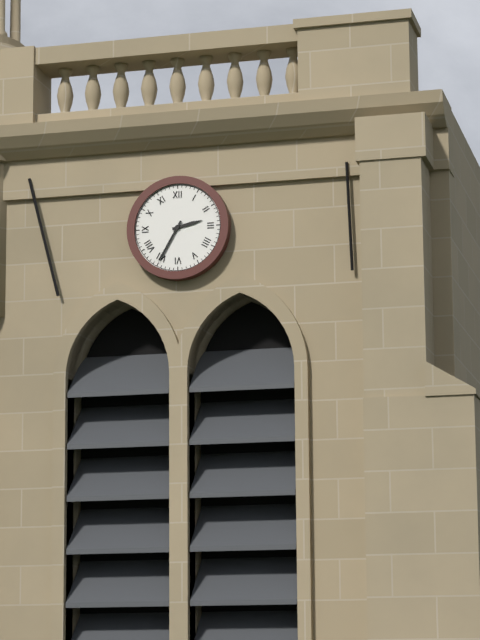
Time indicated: 2:35
